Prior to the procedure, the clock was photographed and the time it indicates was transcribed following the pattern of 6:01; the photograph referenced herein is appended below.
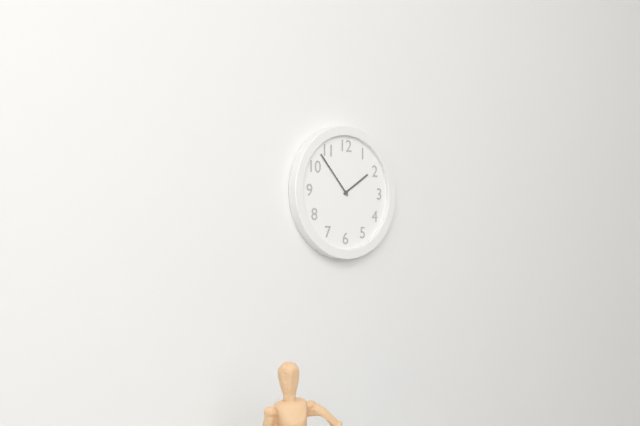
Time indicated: 1:53
